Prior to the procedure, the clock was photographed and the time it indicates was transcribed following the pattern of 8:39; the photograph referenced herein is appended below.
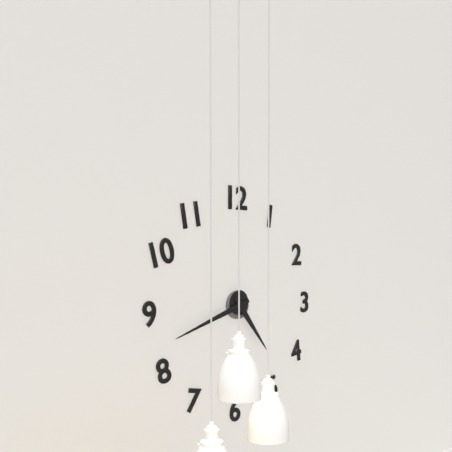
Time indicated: 4:42
